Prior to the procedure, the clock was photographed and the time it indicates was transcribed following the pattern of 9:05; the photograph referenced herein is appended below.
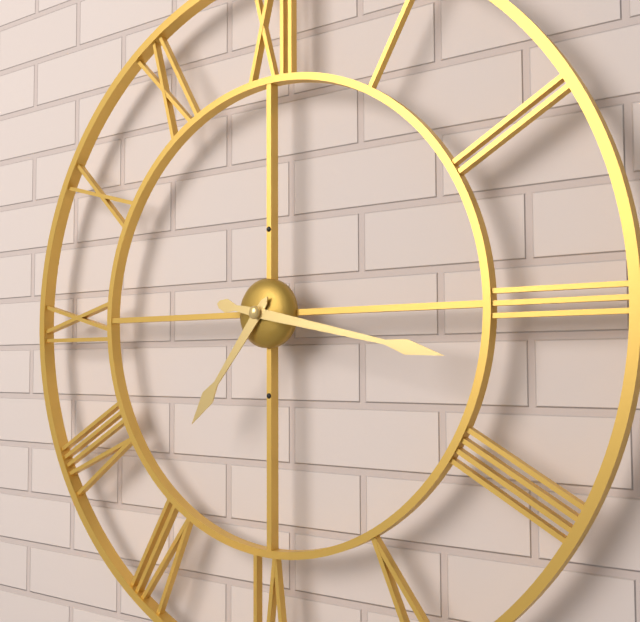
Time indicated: 7:17
